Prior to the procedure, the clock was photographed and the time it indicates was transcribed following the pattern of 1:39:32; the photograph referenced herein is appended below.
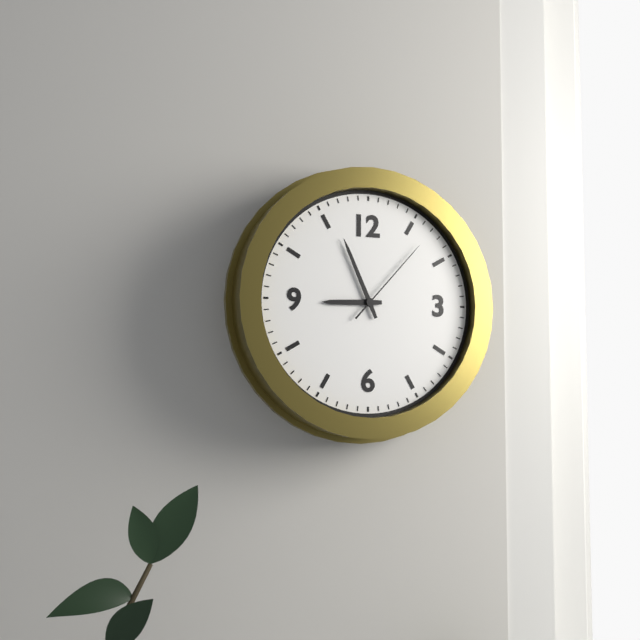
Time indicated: 8:56:07
